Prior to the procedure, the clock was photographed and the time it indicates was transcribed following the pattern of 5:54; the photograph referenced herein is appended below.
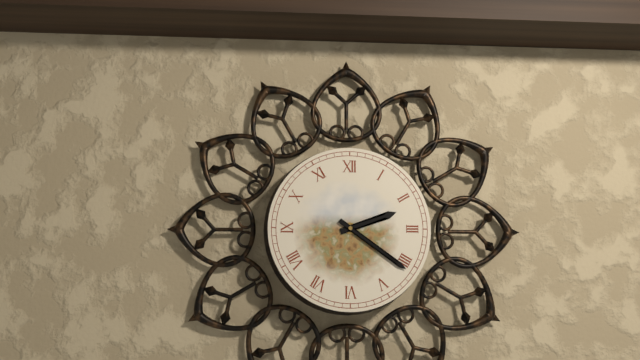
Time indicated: 2:21
